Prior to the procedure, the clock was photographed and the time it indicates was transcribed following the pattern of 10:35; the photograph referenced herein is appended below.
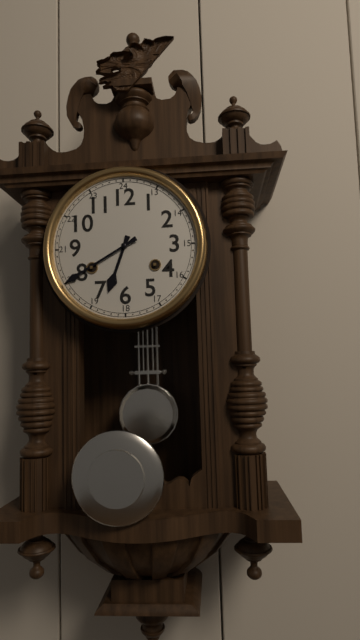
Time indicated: 6:40
